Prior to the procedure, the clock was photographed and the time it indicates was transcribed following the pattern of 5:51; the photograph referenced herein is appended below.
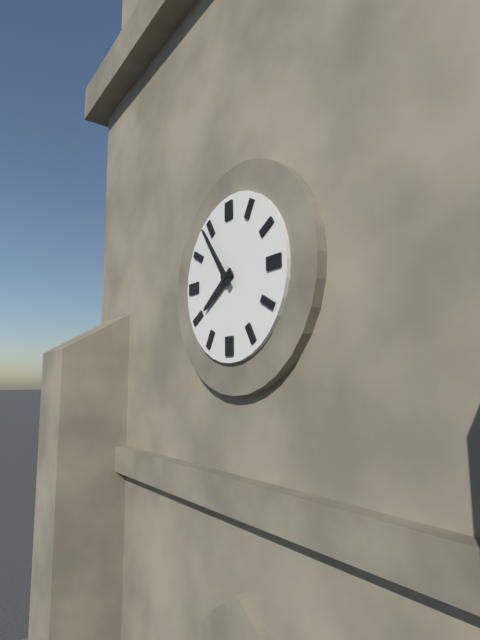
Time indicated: 7:54
